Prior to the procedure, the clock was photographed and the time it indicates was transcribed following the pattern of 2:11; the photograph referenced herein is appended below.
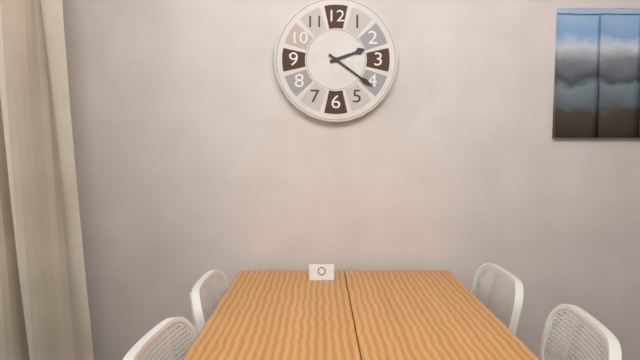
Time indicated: 2:21
